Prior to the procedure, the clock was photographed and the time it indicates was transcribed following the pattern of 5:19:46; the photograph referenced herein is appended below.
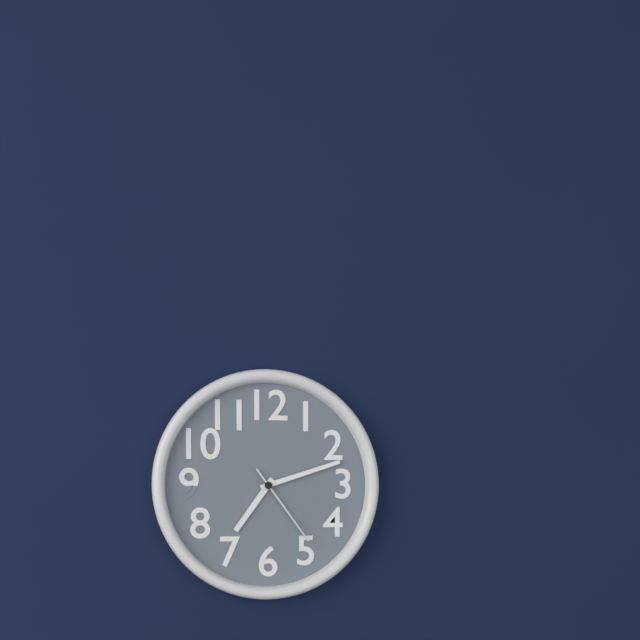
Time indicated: 7:12:24
